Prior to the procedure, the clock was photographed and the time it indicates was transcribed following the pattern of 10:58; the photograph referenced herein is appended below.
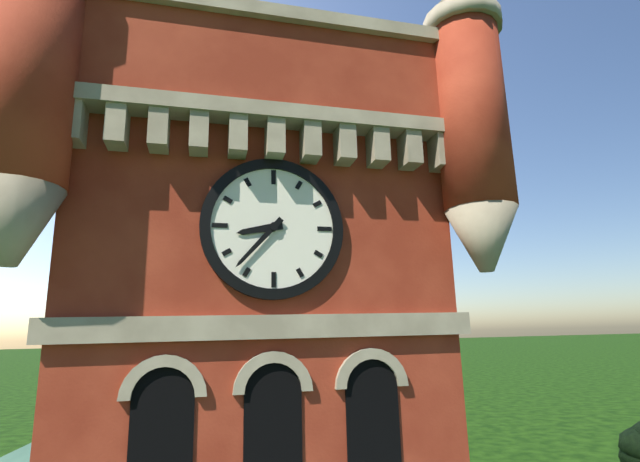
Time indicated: 8:37
